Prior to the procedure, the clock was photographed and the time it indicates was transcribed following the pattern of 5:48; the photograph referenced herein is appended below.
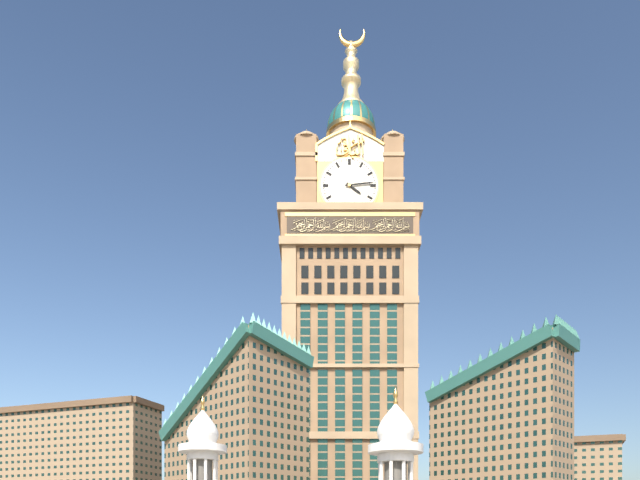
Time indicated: 4:14
